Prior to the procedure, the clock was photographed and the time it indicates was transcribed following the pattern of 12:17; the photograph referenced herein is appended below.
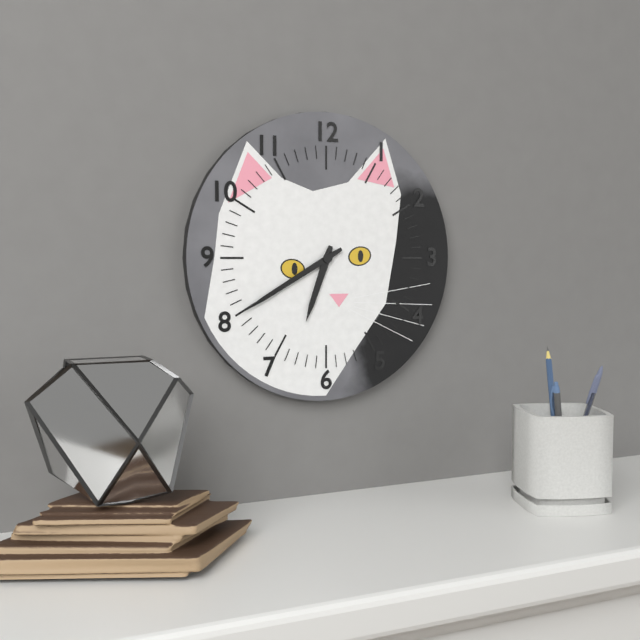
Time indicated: 6:40
